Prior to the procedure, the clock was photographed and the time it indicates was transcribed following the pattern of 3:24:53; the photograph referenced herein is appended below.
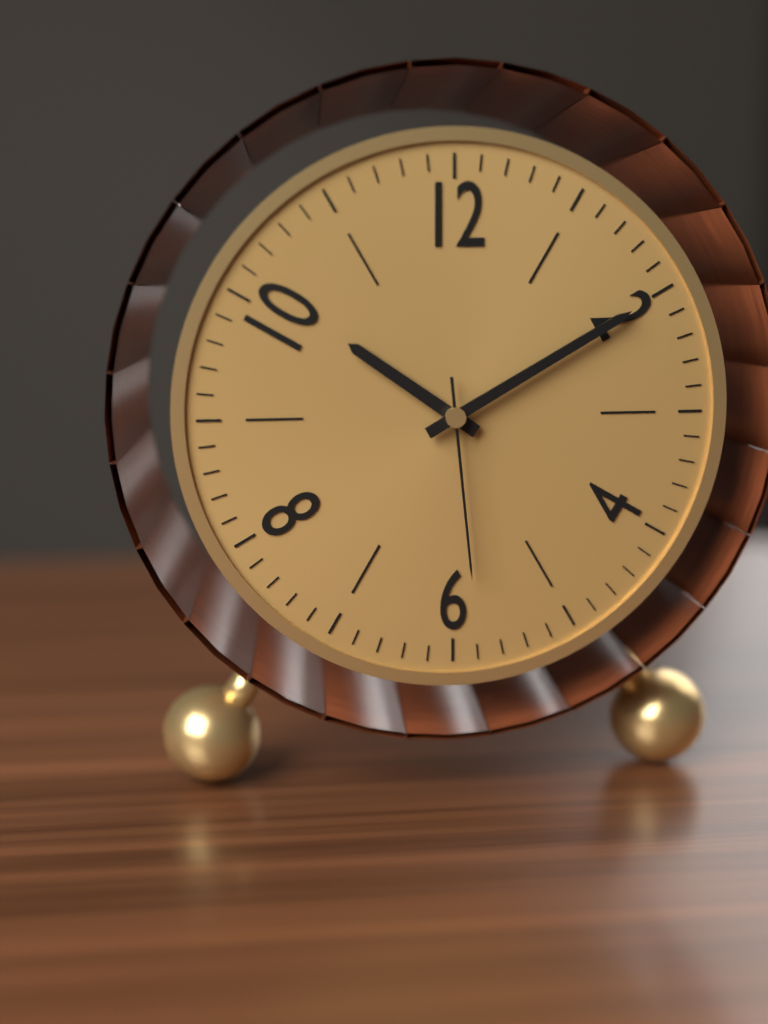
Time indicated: 10:10:29
